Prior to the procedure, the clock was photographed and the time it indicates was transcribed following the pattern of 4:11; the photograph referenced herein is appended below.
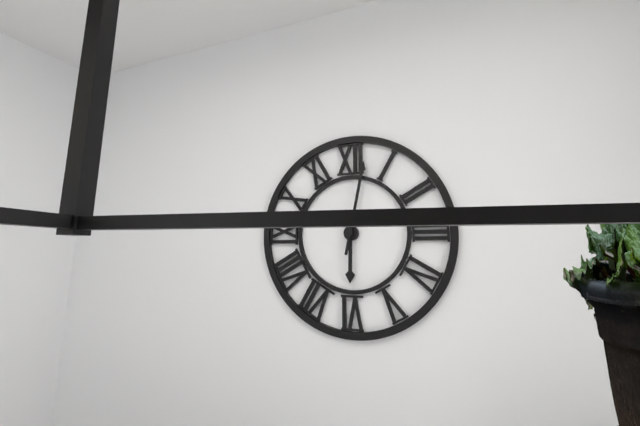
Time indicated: 6:02
